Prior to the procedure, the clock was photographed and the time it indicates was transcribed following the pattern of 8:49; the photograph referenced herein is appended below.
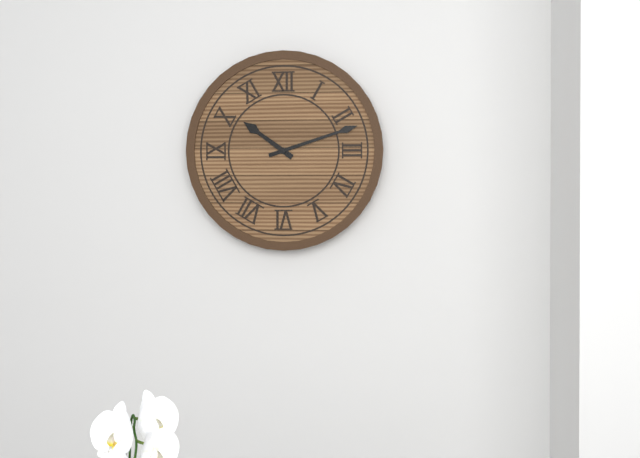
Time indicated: 10:12
